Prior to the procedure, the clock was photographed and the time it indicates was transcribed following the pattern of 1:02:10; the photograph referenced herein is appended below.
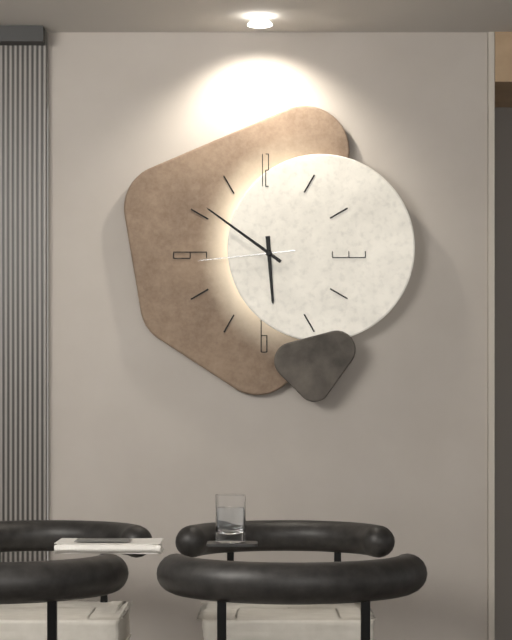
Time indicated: 5:51:44
